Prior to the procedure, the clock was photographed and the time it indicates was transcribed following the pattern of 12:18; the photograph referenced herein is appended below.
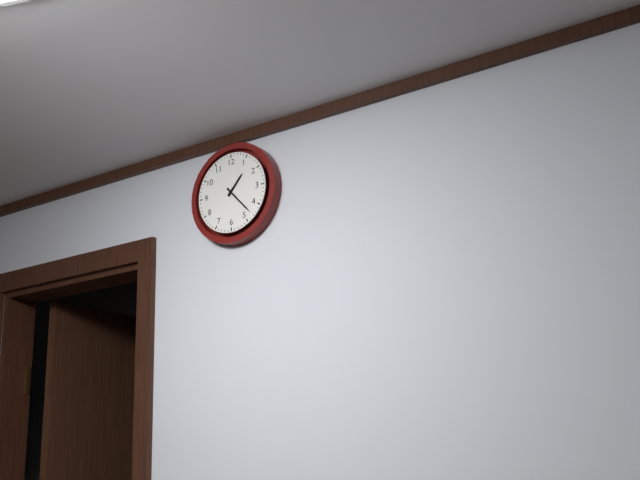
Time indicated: 1:23
